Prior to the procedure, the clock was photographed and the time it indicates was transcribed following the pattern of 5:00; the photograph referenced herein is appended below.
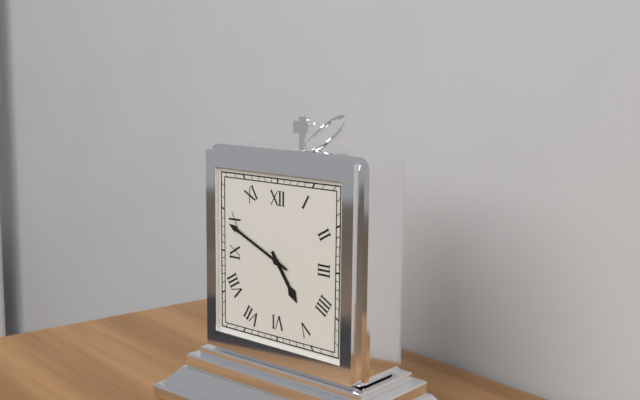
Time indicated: 4:49
